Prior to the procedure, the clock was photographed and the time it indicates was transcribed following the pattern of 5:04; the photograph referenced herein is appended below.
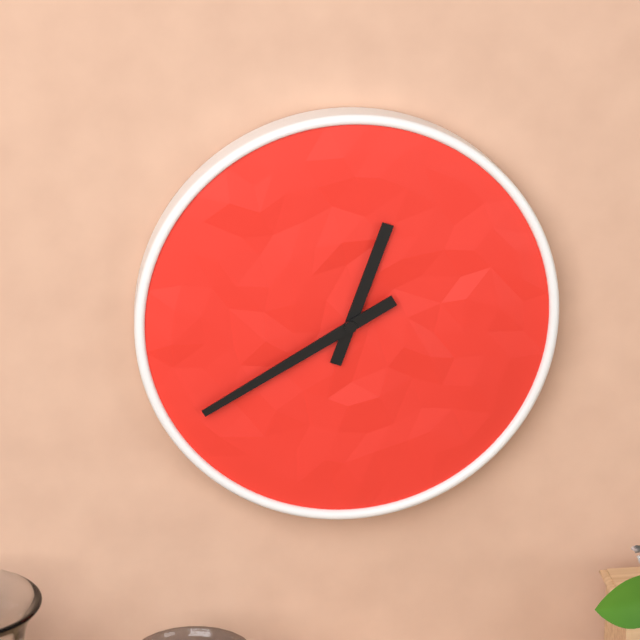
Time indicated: 12:40
